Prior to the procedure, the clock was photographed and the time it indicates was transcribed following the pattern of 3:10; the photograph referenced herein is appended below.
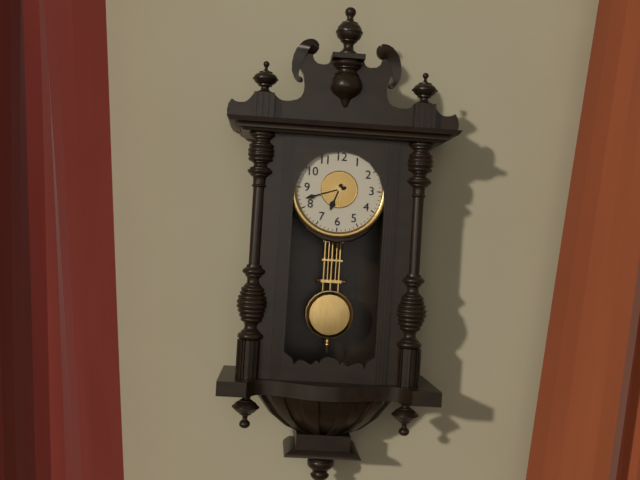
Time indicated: 6:42
